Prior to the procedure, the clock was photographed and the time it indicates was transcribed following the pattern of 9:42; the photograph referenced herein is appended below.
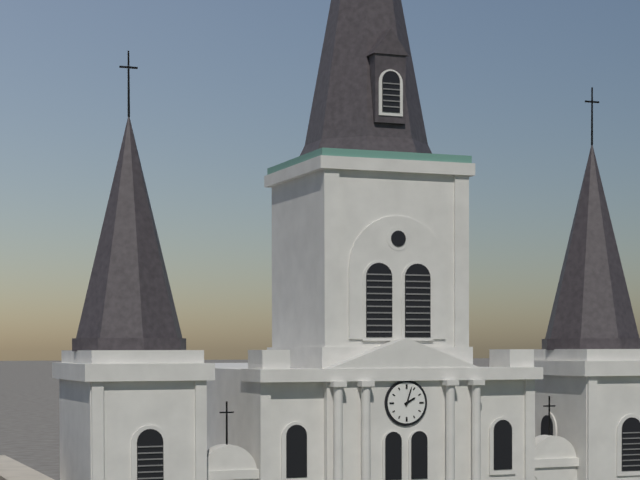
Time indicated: 2:03
